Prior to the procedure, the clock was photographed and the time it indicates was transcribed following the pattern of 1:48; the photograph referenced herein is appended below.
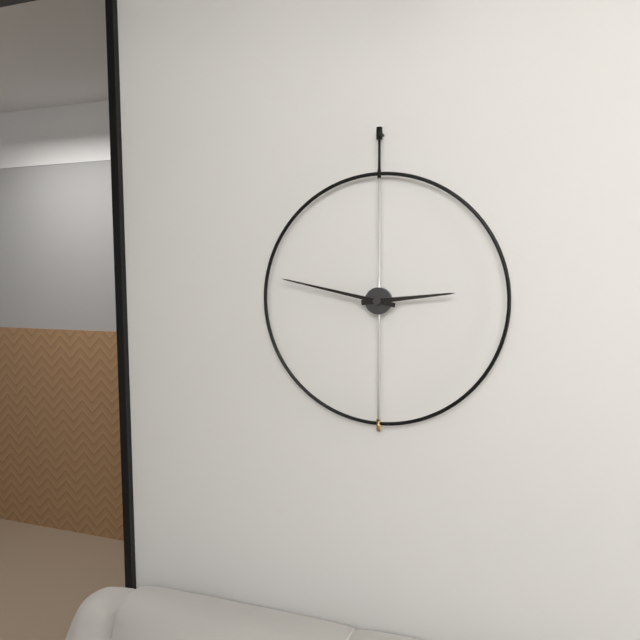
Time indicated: 2:47
